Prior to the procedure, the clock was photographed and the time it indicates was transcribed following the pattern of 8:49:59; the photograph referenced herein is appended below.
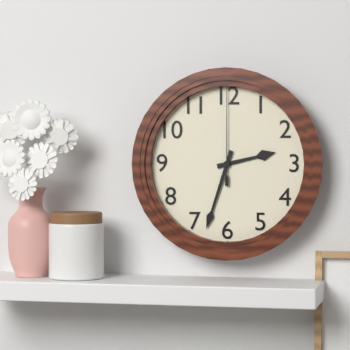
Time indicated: 2:33:00
